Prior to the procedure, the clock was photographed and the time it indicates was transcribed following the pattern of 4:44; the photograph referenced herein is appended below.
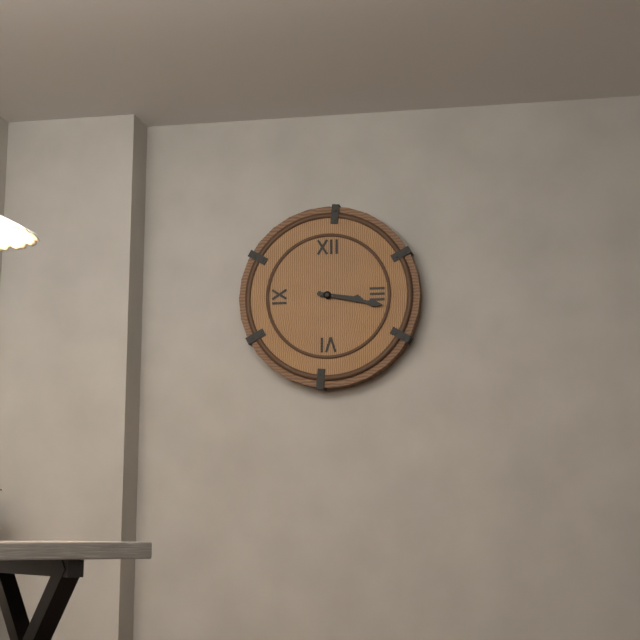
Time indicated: 3:17
